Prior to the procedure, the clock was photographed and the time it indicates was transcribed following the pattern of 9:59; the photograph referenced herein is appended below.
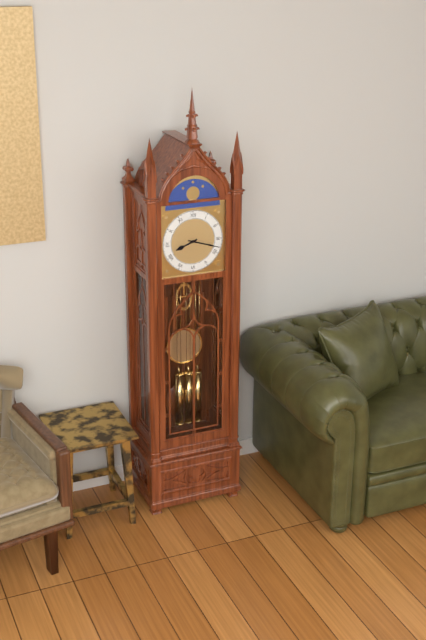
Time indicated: 8:18
